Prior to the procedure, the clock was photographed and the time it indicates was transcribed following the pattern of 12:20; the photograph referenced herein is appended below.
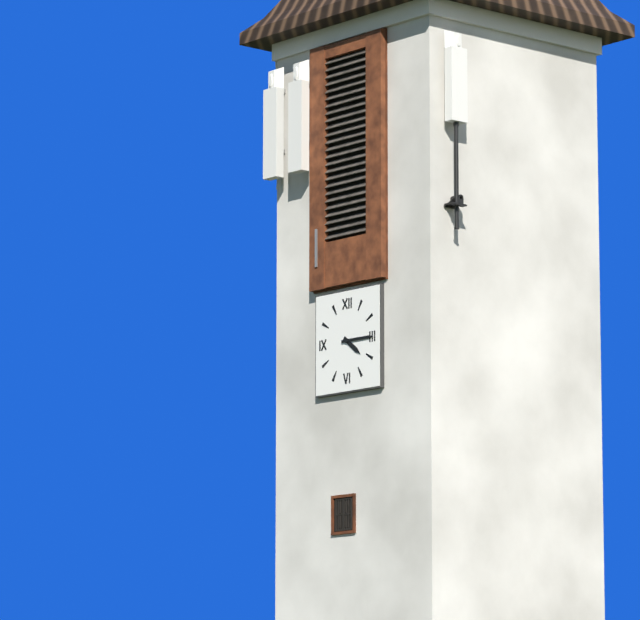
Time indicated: 4:15
